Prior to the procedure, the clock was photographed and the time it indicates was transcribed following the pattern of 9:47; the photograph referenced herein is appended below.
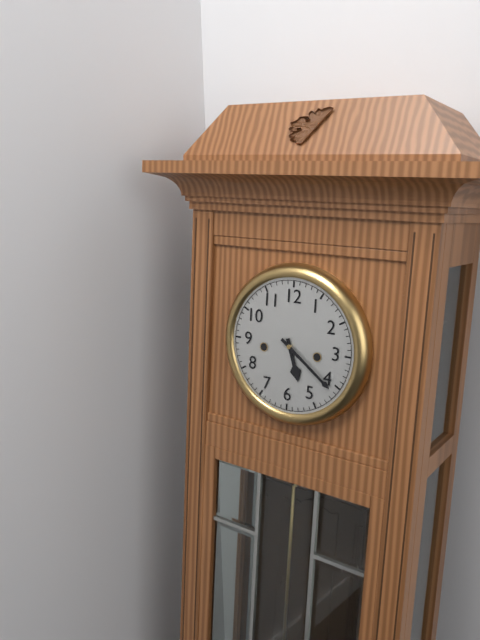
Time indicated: 5:21
